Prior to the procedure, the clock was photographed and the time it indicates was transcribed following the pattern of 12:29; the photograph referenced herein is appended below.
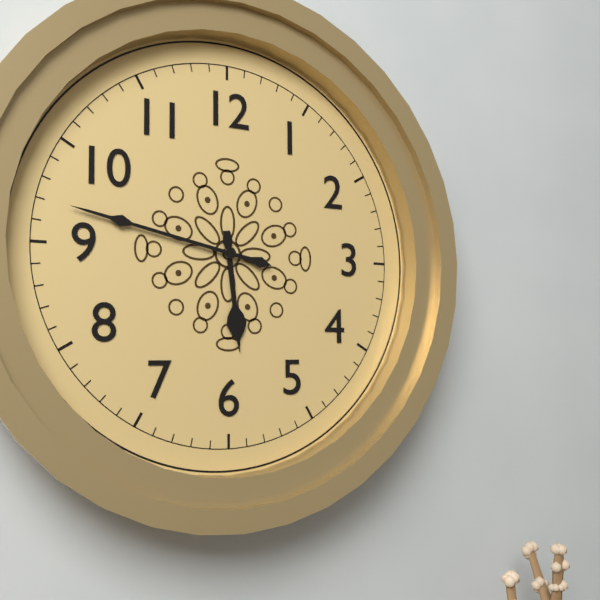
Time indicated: 5:47
